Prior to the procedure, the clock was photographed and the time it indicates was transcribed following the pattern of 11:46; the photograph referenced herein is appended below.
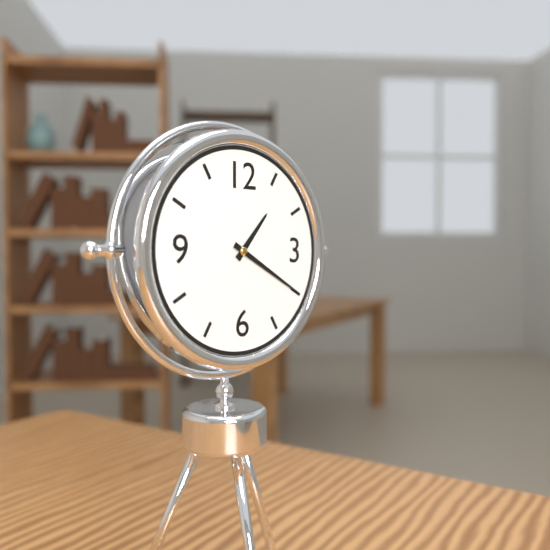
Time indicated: 1:20
